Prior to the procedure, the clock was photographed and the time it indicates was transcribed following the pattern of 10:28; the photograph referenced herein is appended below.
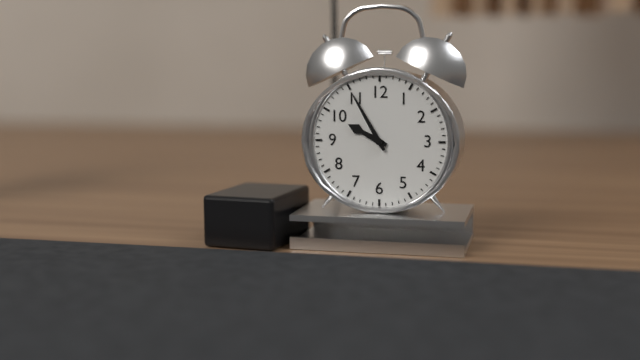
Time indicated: 9:55
